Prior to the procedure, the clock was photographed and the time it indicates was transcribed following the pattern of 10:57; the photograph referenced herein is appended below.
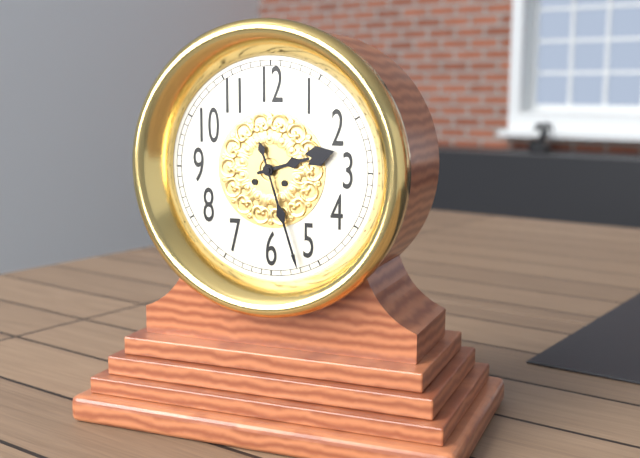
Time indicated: 2:27
